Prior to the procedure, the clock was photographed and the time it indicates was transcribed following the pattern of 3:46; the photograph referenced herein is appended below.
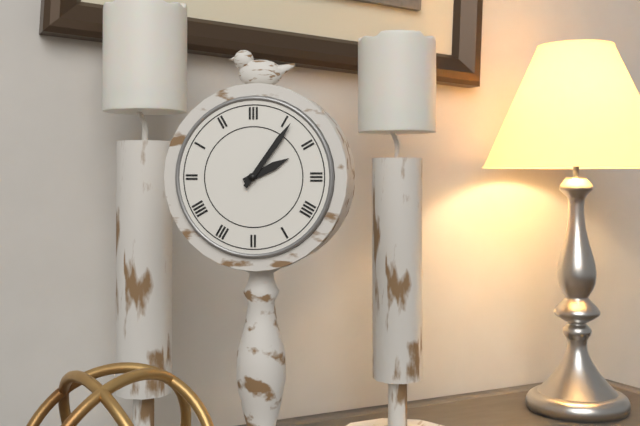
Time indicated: 2:06
